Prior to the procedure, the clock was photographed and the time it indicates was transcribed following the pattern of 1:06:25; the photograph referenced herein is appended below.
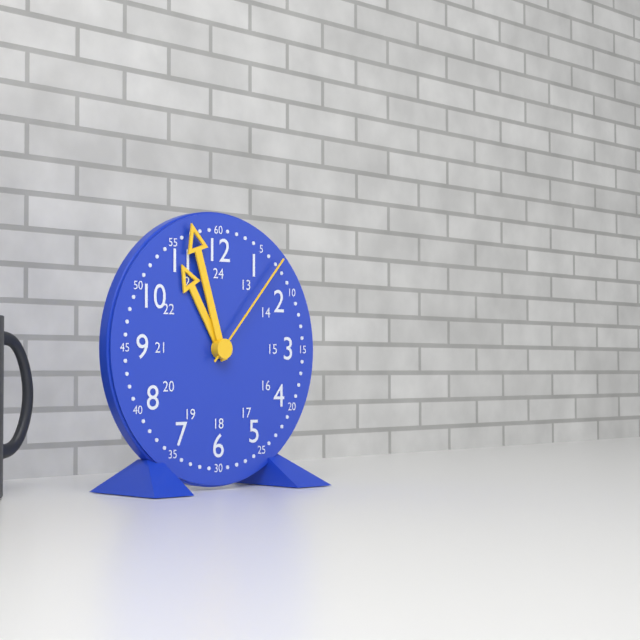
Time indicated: 10:57:07
